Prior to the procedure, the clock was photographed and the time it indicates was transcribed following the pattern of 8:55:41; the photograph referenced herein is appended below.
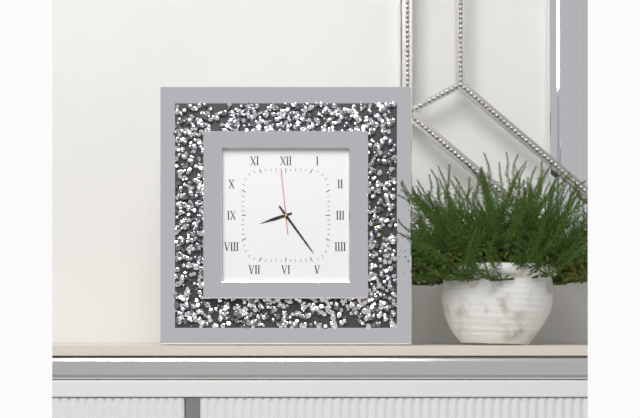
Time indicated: 8:24:59
